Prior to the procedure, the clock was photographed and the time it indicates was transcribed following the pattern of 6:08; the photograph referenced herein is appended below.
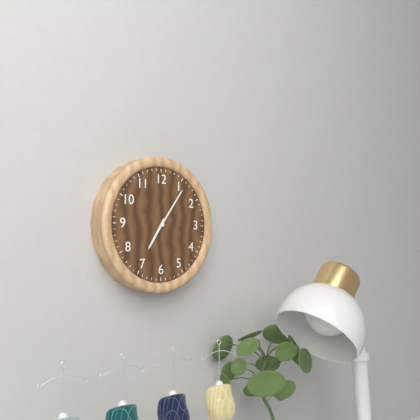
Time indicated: 7:06
